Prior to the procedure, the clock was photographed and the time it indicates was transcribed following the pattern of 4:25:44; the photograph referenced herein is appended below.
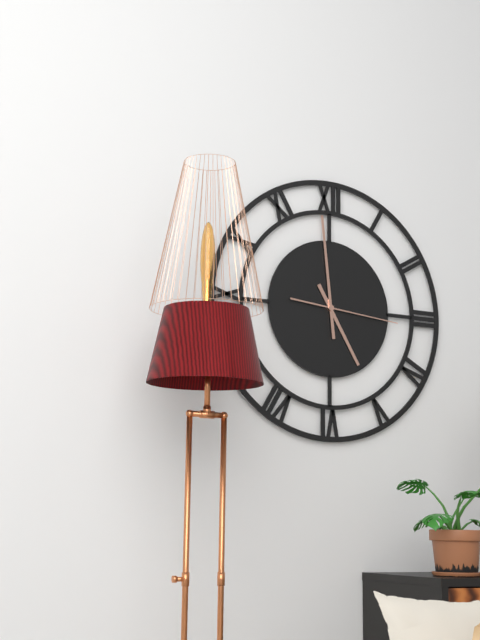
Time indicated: 4:59:16
